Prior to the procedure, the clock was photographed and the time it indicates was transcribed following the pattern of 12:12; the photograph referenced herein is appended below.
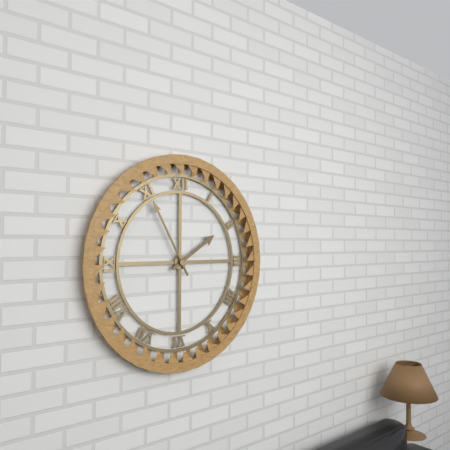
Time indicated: 1:55
